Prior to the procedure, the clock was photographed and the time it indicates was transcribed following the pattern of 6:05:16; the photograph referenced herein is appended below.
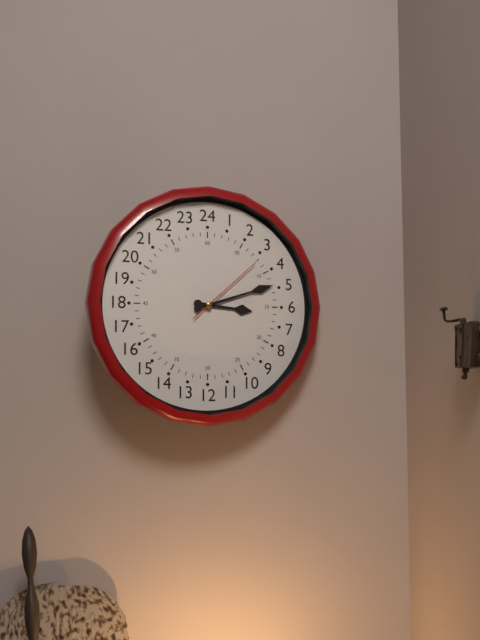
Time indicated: 3:12:08
